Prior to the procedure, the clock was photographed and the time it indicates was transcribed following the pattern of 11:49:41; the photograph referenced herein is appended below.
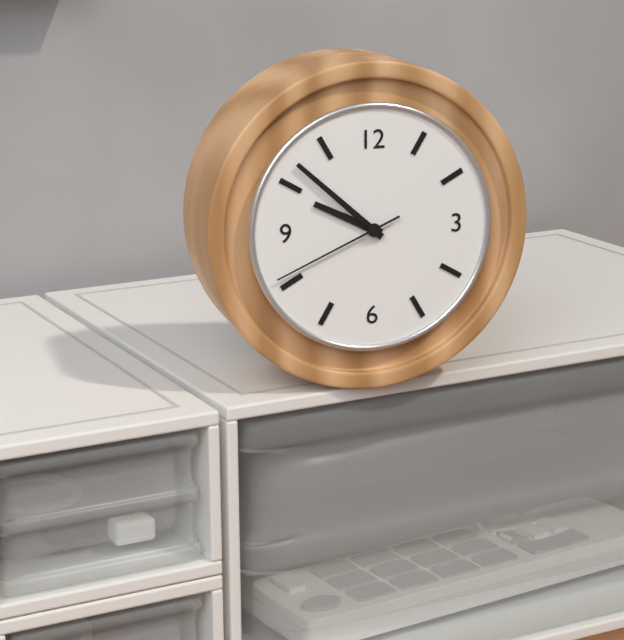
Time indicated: 9:52:41
